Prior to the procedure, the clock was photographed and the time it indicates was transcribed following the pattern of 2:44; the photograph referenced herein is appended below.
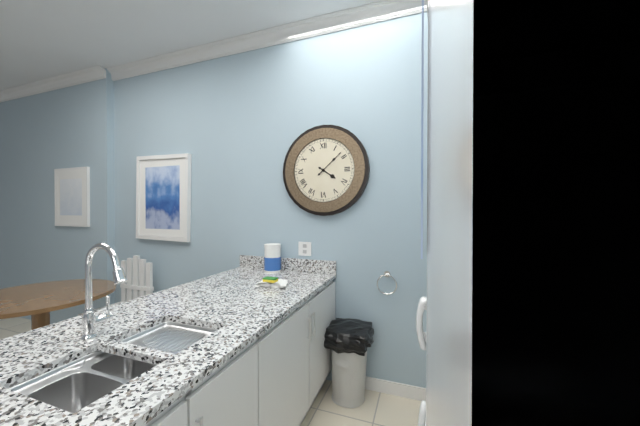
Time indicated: 4:08
